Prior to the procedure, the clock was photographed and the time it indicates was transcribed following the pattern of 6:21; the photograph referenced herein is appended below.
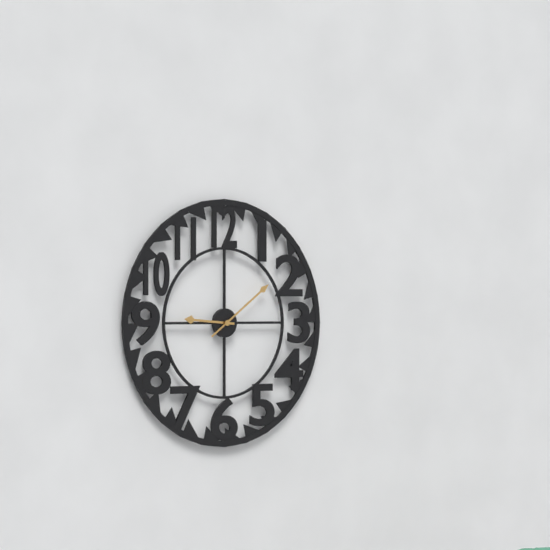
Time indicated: 9:09
